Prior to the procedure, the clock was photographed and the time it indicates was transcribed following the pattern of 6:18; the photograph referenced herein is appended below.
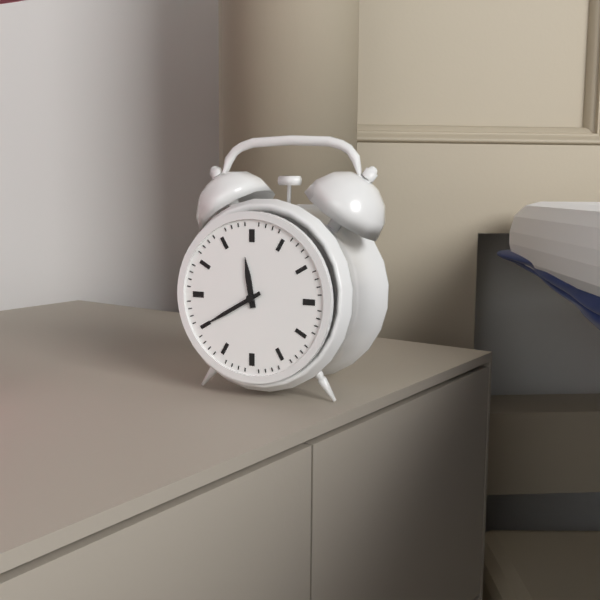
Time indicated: 11:40
